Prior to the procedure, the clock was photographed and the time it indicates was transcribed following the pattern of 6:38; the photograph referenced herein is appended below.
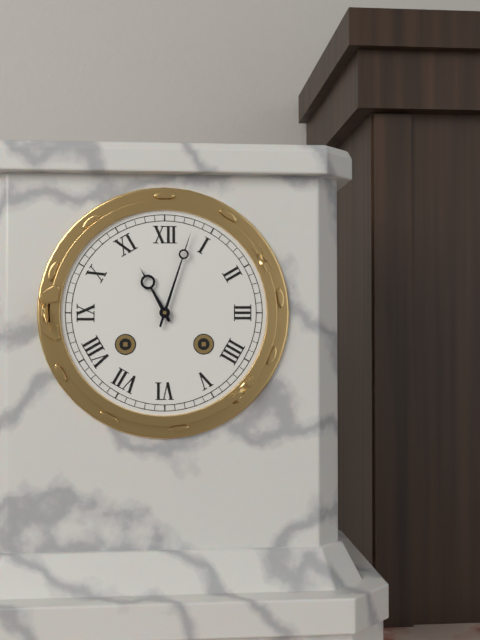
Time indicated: 11:03
